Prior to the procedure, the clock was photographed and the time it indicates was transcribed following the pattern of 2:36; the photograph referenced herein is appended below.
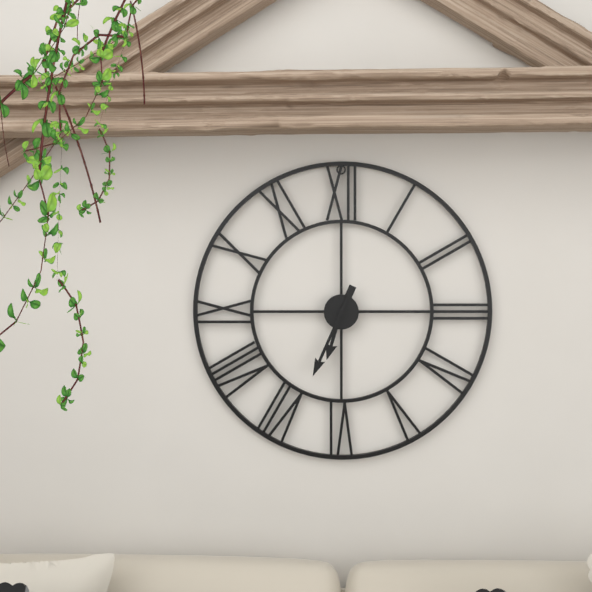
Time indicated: 6:34
